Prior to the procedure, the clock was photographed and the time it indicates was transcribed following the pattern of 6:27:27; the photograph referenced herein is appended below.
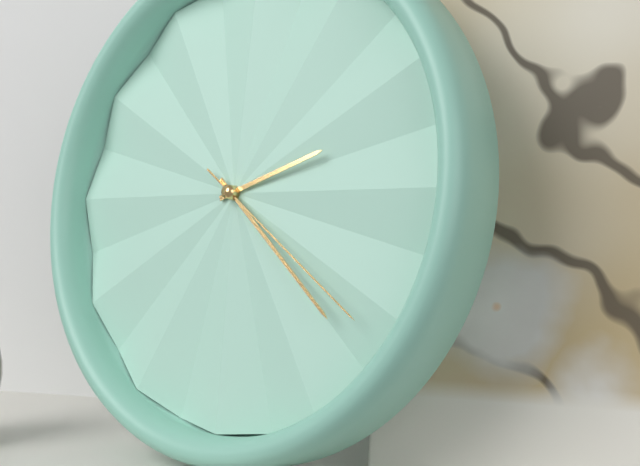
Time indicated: 2:22:21
